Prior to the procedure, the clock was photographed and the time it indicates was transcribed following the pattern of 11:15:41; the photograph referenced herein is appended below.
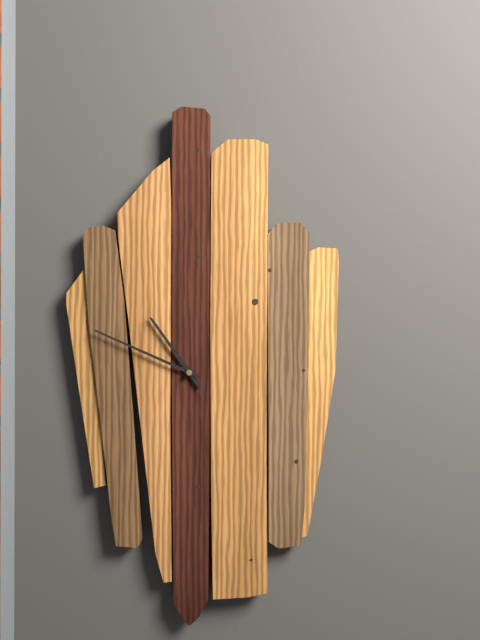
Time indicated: 10:49:54
